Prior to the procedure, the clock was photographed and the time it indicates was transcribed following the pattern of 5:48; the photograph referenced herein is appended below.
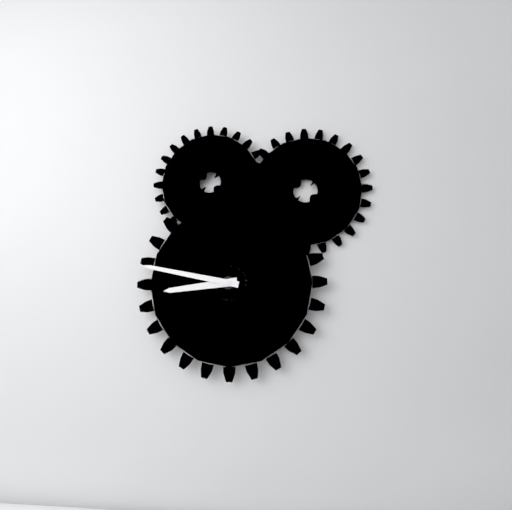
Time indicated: 8:47
